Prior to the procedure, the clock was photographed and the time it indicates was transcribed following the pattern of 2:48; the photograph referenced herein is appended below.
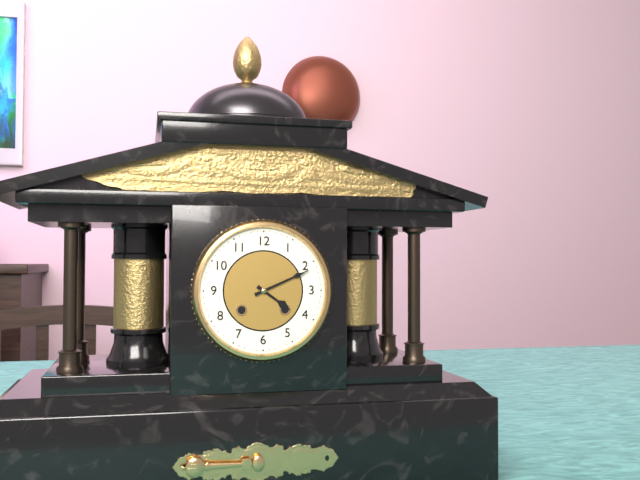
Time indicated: 4:11
